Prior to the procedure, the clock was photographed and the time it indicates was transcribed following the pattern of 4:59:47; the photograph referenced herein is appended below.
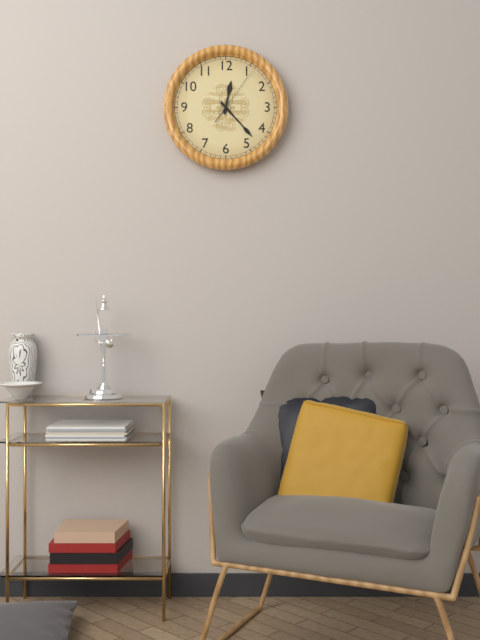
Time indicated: 12:23:06
